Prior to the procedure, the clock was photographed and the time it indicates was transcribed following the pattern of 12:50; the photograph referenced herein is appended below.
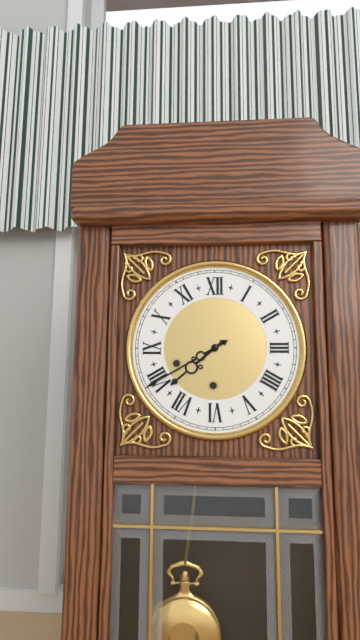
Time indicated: 7:40
